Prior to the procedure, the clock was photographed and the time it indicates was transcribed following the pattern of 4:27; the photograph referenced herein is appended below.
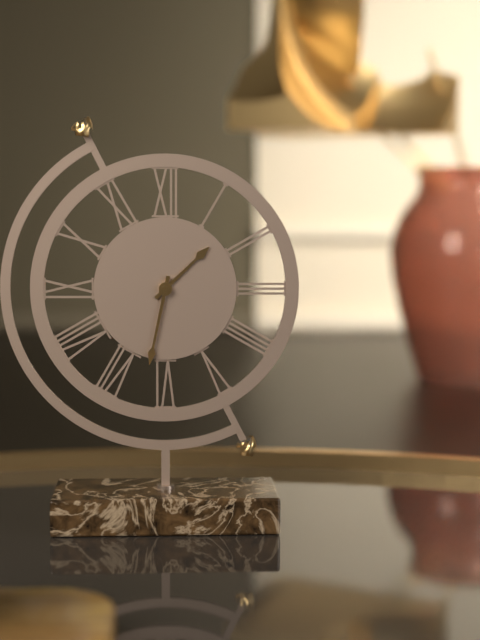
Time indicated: 1:32
